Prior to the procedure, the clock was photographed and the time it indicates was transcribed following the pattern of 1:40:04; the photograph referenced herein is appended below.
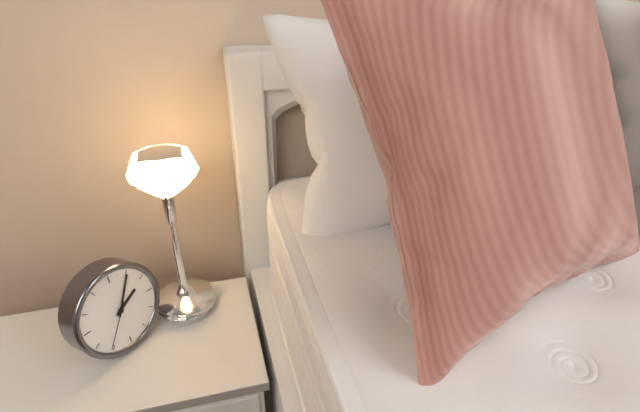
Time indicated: 2:05:36
